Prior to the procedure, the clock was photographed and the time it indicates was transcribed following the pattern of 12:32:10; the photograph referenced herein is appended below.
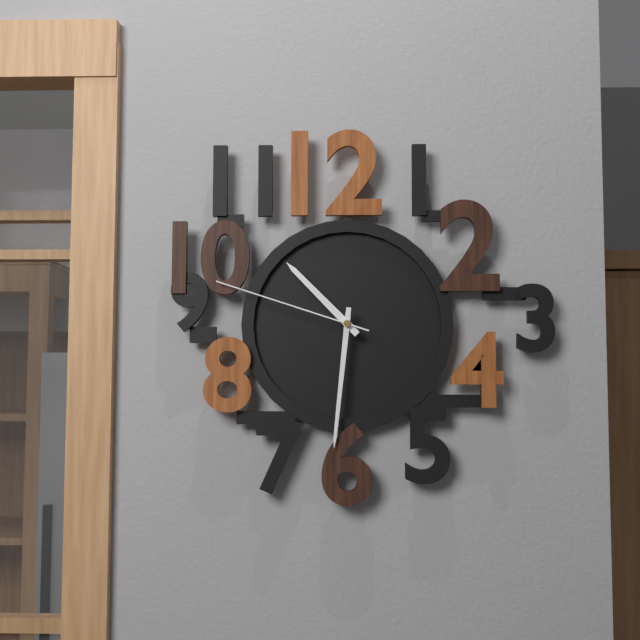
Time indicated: 10:31:48
